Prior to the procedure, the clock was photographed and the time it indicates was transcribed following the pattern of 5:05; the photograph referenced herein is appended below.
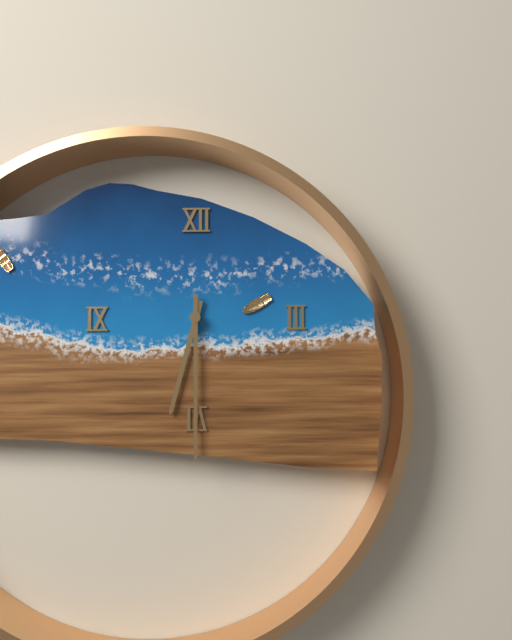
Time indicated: 6:30
